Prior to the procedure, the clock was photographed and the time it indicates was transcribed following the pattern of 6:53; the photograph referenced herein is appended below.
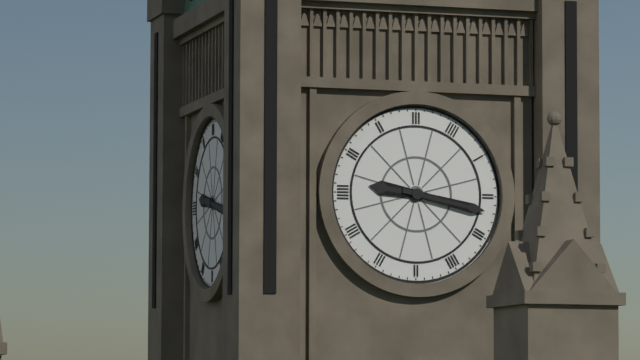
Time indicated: 9:17
